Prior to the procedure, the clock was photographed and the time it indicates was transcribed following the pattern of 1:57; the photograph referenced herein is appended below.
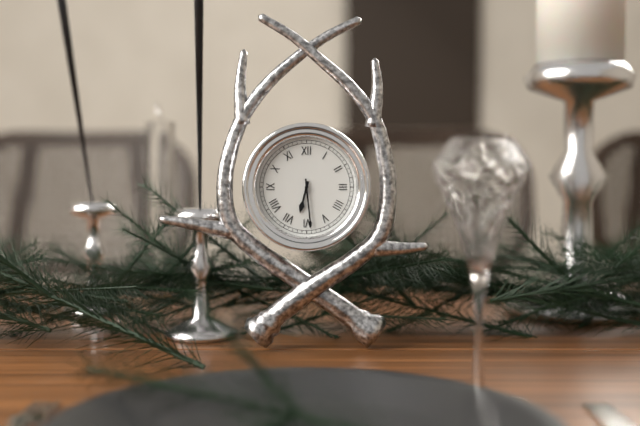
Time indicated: 6:29
